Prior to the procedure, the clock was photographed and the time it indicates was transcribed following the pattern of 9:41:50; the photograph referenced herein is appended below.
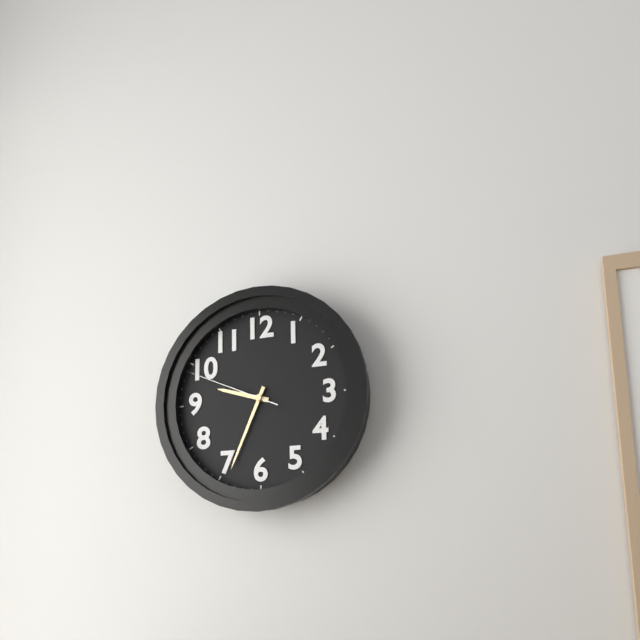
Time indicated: 9:34:49
